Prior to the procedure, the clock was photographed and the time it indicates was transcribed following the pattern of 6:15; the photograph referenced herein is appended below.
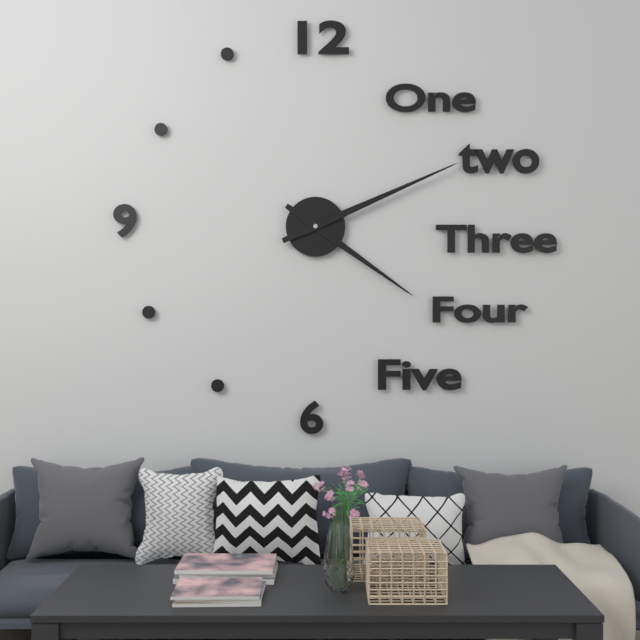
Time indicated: 4:11
